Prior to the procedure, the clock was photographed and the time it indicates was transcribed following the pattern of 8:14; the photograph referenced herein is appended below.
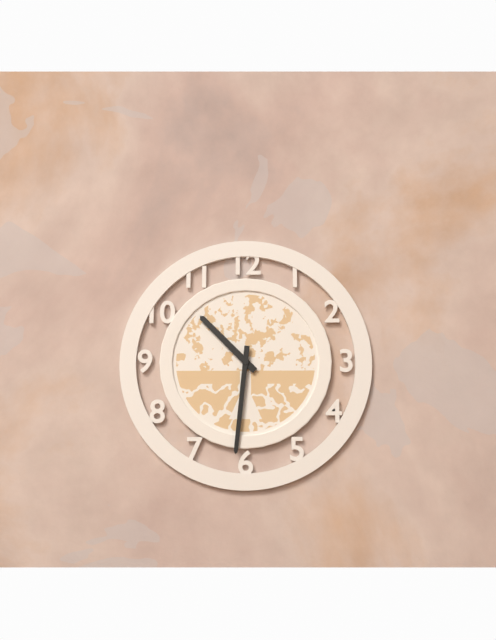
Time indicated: 10:31
